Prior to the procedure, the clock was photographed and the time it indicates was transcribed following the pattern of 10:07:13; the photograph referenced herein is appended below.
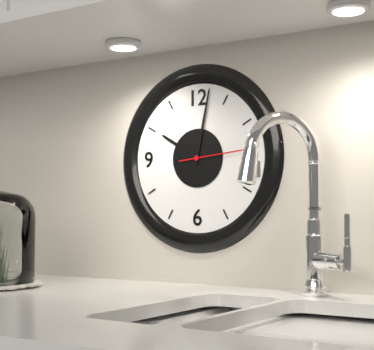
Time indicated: 10:02:14
